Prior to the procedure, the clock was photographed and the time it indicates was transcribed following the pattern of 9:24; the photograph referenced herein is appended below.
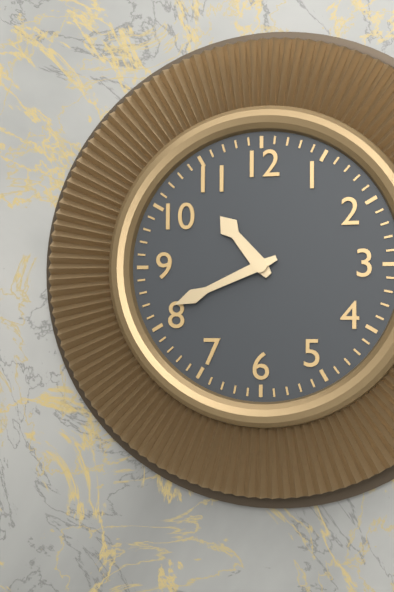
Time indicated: 10:41
